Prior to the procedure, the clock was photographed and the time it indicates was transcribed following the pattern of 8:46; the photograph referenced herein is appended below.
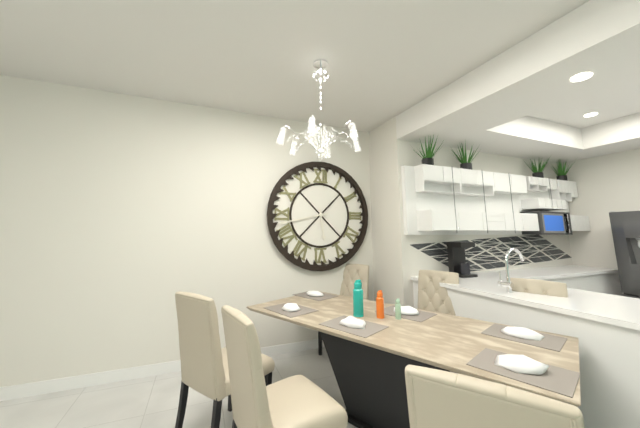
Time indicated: 5:43
